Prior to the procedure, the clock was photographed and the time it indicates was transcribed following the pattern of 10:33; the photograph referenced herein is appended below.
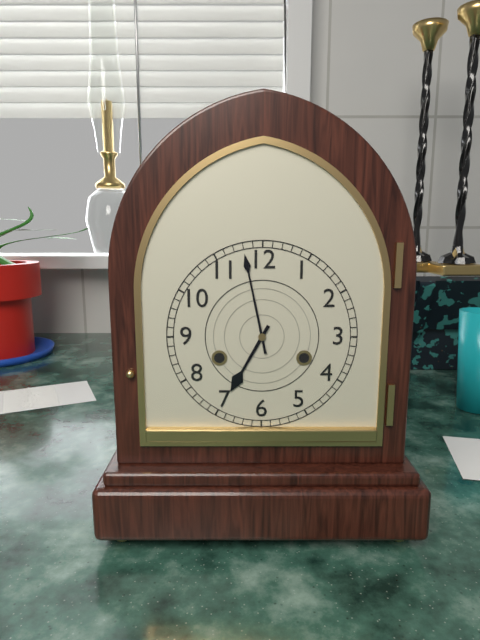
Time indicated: 6:58
